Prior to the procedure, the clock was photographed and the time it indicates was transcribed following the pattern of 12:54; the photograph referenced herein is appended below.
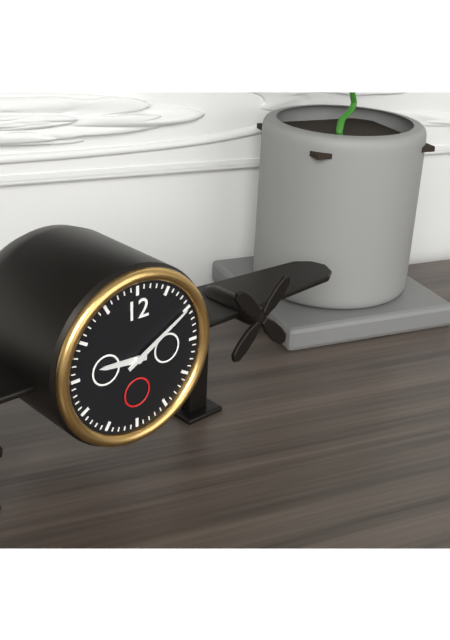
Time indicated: 9:10
